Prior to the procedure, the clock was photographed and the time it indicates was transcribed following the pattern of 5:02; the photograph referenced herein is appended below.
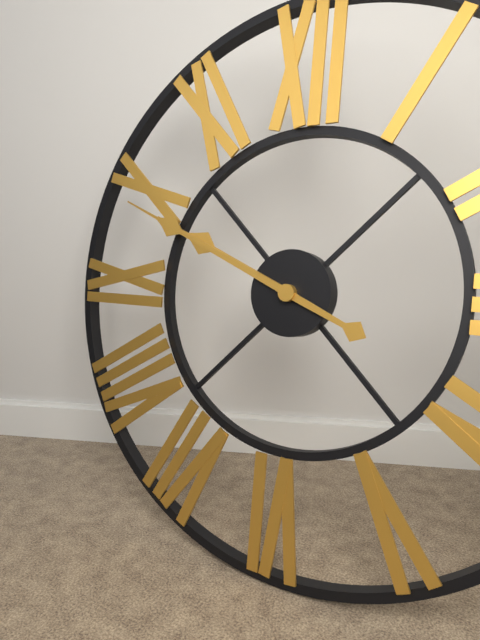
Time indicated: 9:49
